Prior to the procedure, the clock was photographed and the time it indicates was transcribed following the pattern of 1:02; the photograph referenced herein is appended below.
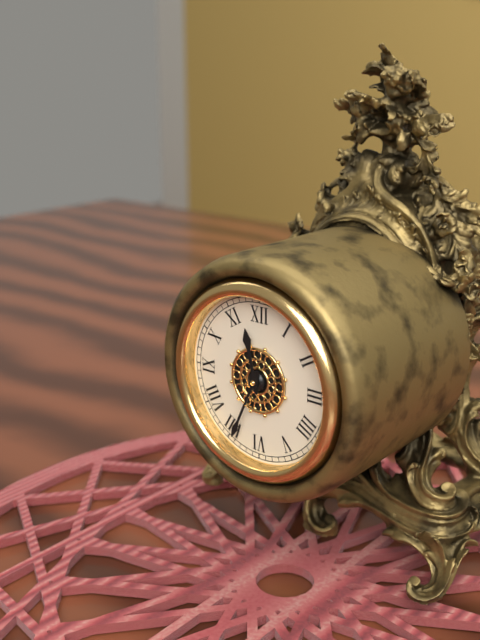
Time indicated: 11:34
